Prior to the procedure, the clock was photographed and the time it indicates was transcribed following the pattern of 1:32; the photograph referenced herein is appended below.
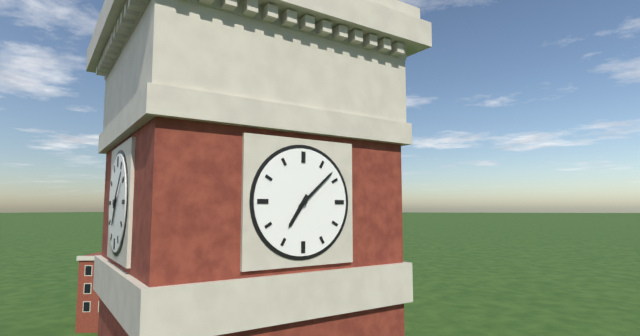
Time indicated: 7:08
